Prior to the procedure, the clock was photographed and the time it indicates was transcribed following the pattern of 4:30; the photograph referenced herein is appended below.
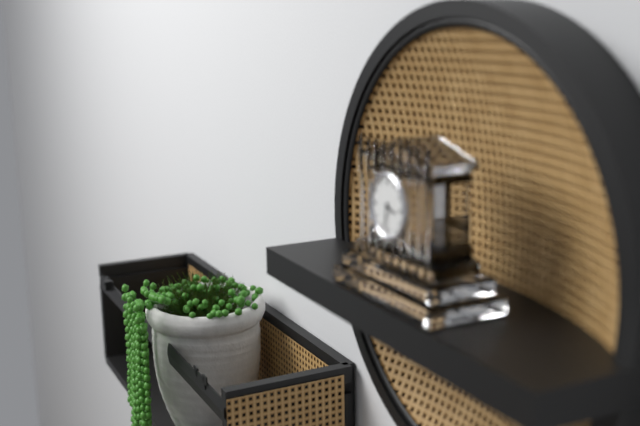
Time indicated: 3:32
